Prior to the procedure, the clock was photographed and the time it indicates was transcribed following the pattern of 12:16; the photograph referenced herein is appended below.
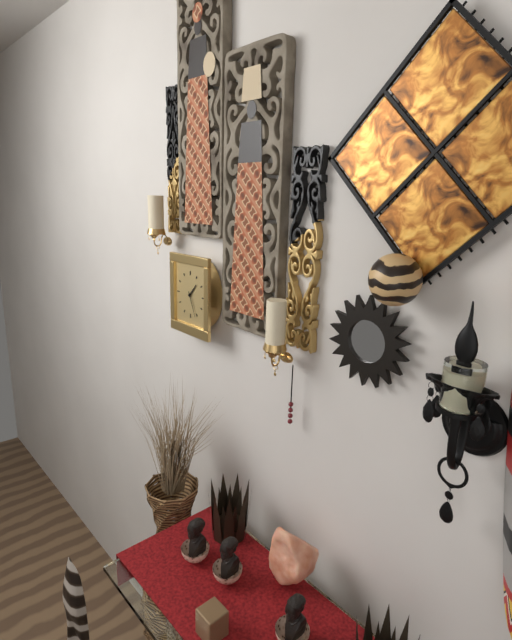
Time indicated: 1:26
